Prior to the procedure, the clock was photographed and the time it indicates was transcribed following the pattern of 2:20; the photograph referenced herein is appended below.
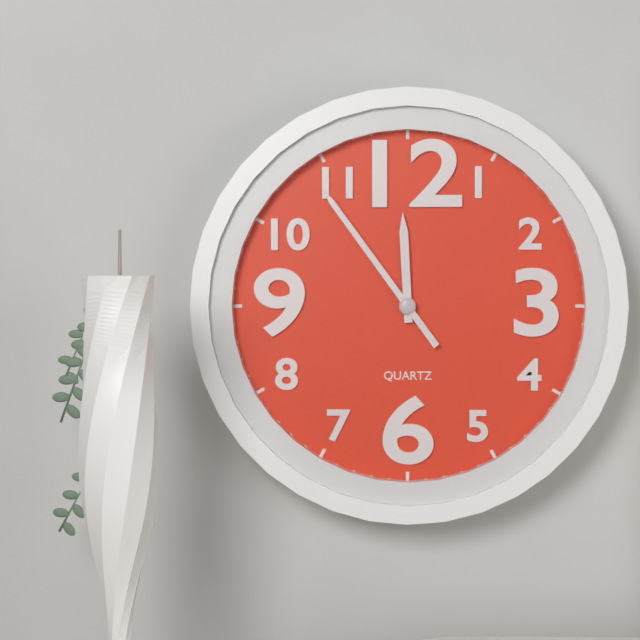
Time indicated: 11:54
